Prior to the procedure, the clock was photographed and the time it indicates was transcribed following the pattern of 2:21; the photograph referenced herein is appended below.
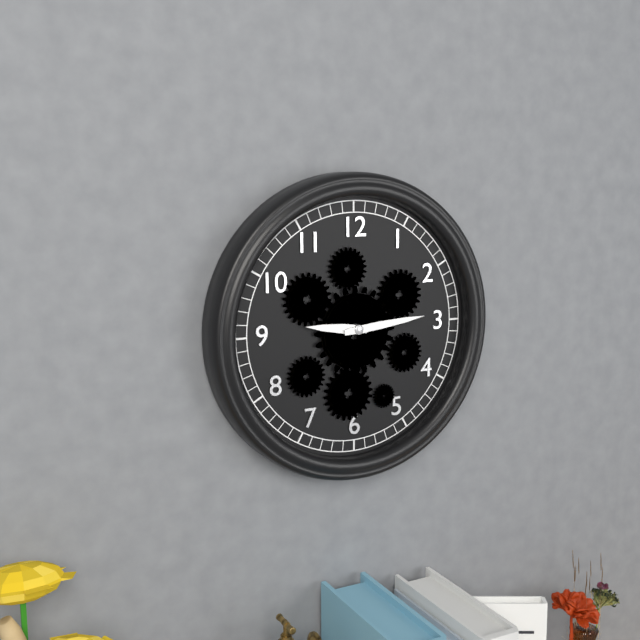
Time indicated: 9:14
